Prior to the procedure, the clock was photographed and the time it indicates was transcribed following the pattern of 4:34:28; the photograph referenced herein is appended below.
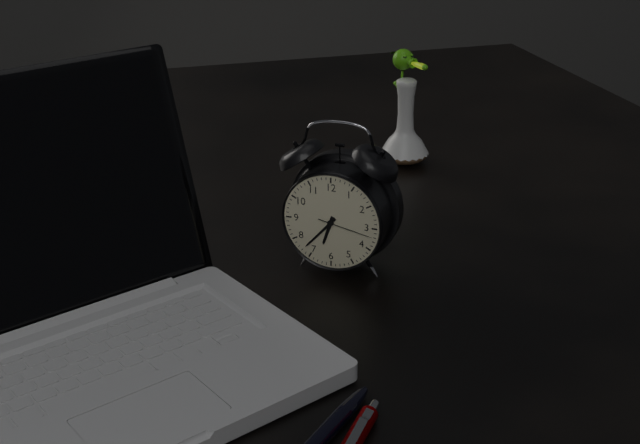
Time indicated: 6:37:17
